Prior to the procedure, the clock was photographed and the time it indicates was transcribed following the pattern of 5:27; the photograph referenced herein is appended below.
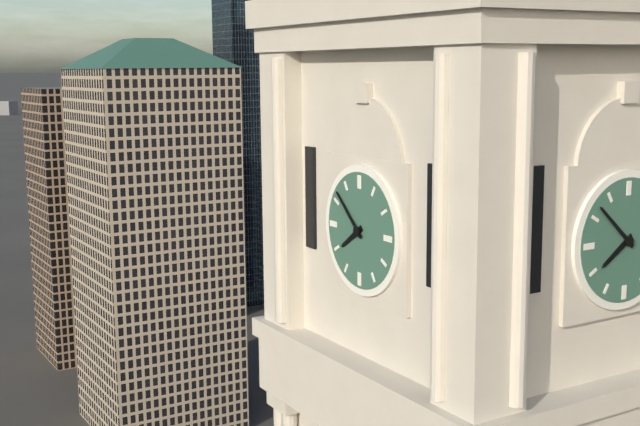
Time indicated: 7:52
